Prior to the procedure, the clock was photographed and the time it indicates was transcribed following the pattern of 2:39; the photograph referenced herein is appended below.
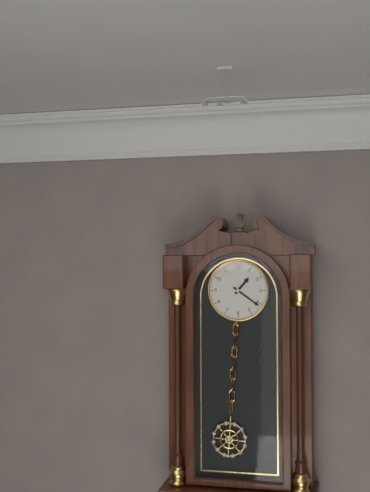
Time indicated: 1:21
